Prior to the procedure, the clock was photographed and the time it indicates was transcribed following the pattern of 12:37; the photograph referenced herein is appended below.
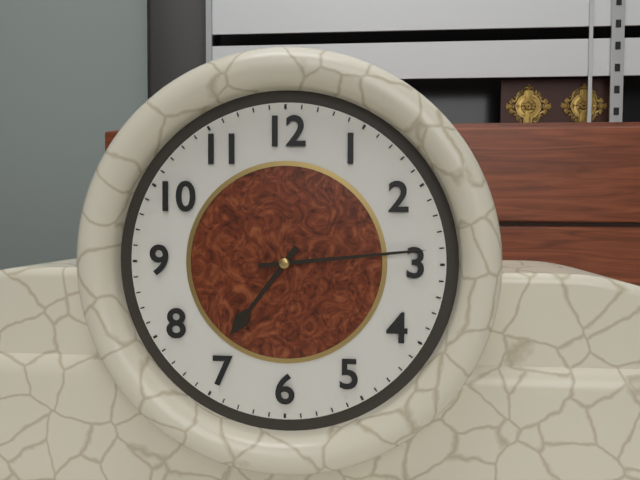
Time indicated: 7:14
